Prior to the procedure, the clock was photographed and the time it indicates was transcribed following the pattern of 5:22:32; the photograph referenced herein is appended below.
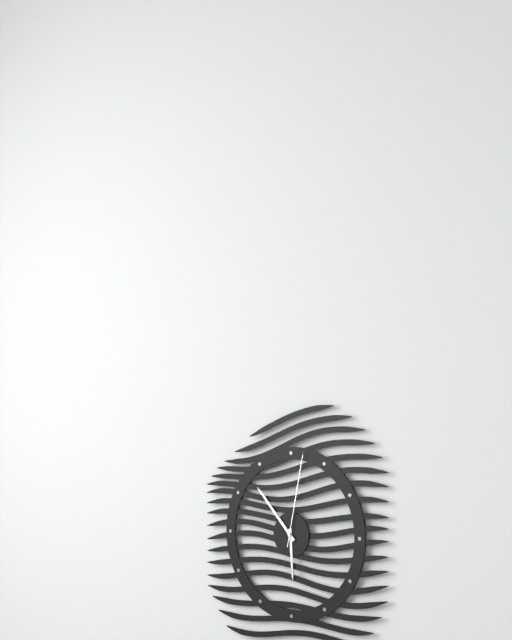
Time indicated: 5:53:02
